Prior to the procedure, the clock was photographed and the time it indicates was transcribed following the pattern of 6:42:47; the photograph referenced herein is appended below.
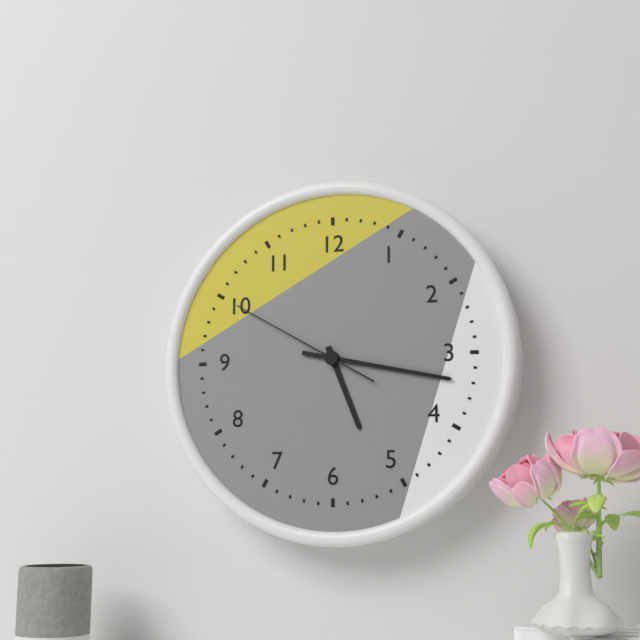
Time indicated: 5:17:50
